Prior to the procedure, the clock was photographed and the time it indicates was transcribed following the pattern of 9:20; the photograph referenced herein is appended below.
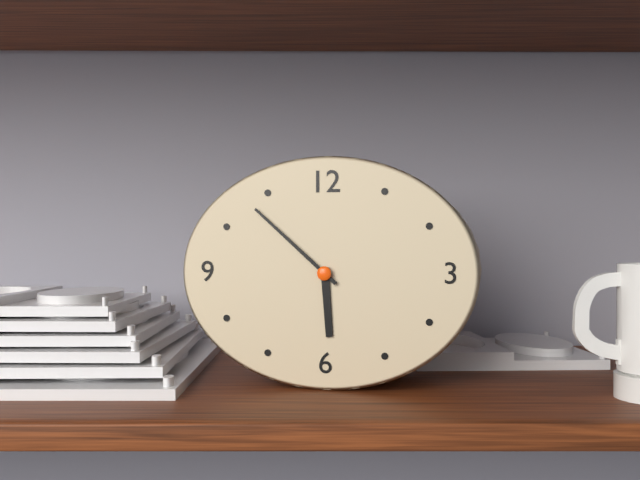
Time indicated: 5:52
